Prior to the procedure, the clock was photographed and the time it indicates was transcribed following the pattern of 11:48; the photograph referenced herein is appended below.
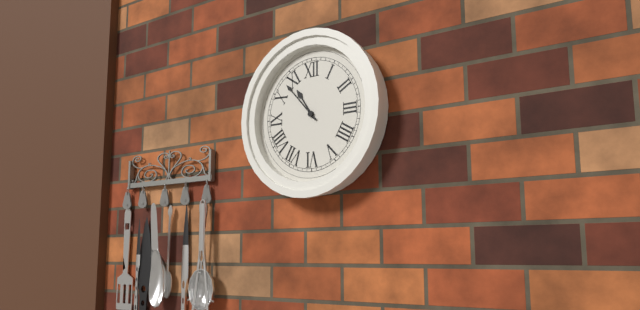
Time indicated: 10:53
